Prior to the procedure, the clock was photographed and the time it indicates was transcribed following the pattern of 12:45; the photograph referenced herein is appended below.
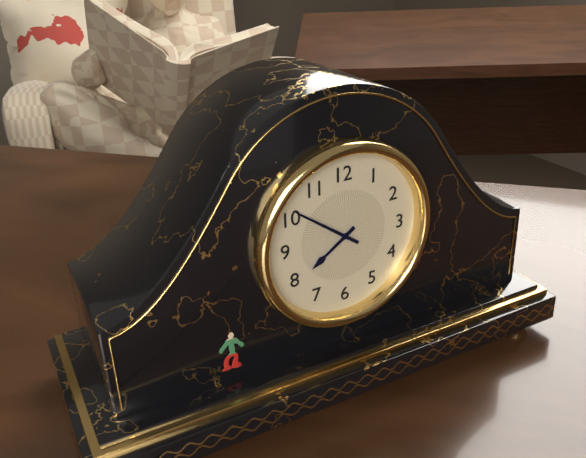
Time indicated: 7:51
